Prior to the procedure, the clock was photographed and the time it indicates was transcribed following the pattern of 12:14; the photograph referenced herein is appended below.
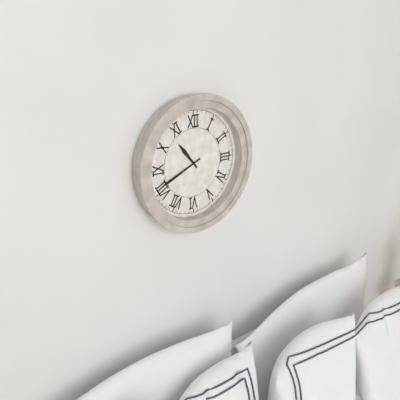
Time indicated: 10:41
